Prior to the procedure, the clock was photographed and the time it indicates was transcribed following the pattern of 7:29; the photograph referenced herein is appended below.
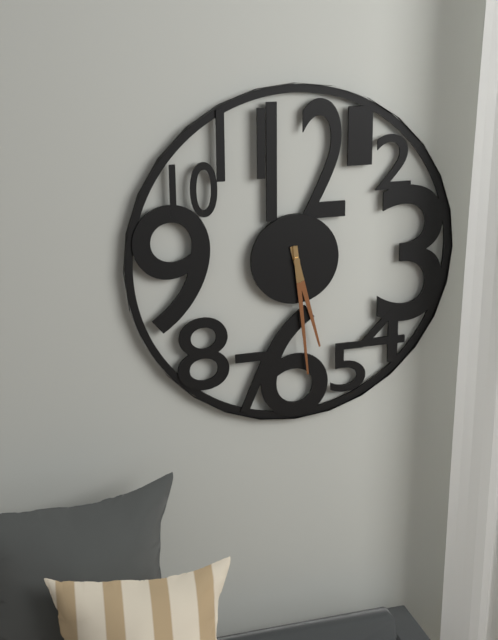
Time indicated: 5:29
